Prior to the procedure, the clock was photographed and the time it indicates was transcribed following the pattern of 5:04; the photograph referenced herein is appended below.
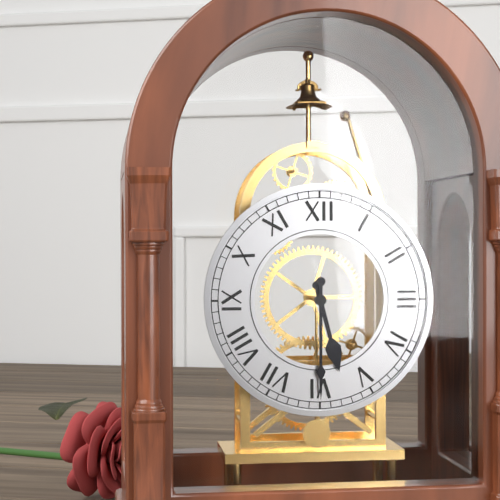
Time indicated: 5:30
